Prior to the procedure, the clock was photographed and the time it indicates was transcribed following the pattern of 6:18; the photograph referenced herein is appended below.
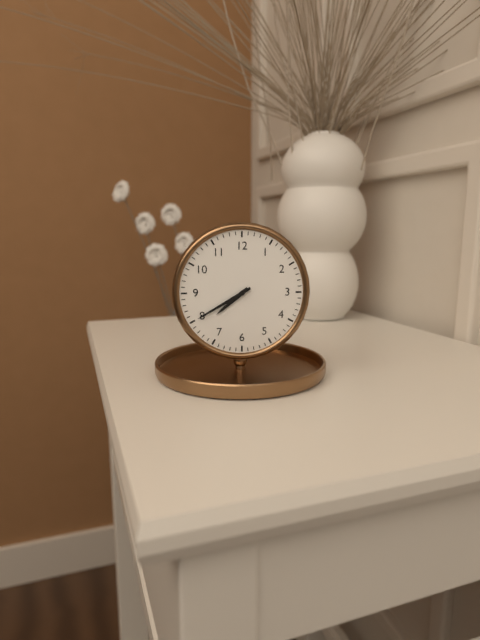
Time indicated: 7:40
